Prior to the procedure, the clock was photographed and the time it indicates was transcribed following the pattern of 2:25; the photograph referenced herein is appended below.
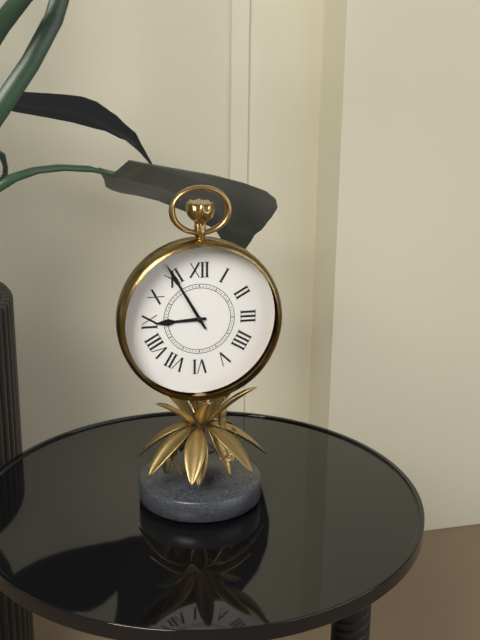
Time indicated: 8:55
